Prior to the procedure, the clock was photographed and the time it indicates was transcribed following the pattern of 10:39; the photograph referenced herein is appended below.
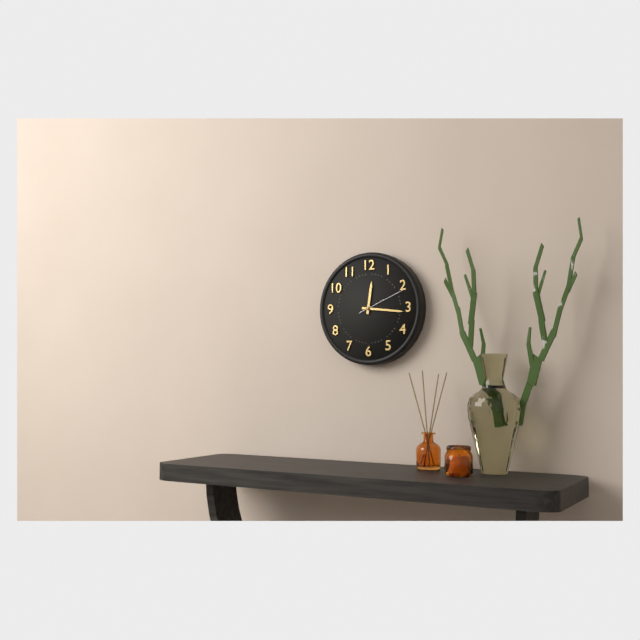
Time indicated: 12:16
